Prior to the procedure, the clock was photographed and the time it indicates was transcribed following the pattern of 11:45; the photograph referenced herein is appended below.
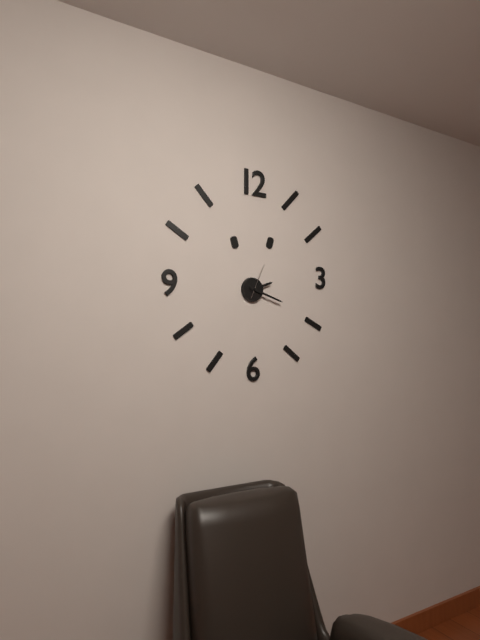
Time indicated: 2:18
